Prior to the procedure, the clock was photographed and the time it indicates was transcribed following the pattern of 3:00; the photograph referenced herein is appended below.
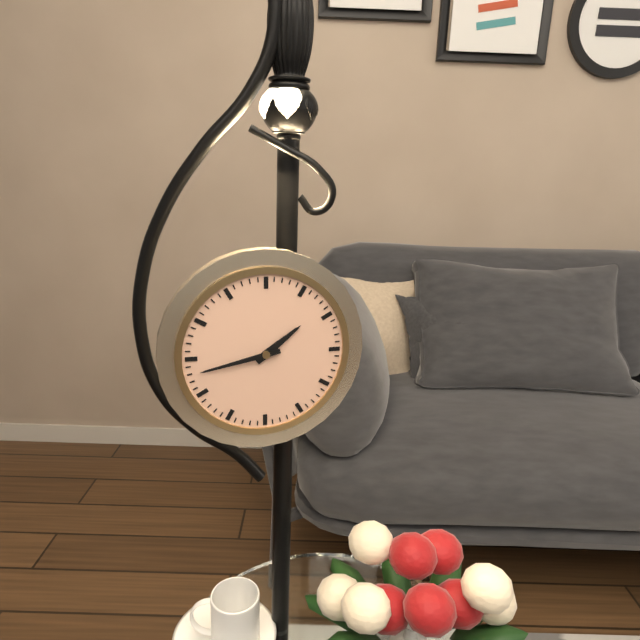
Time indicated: 1:43
